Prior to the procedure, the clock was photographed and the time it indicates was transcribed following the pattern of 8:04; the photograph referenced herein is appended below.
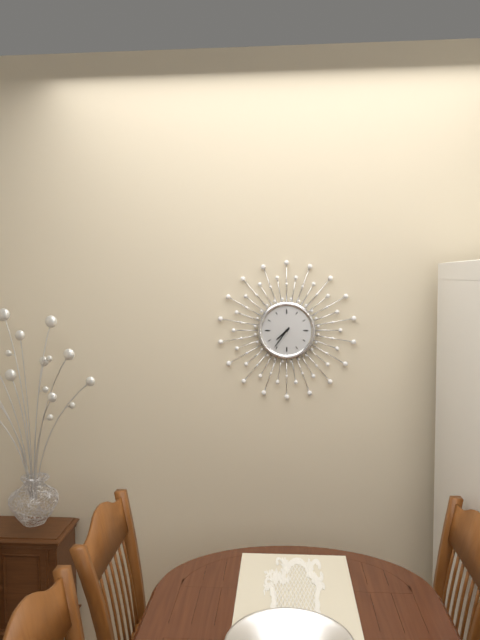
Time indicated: 7:36
